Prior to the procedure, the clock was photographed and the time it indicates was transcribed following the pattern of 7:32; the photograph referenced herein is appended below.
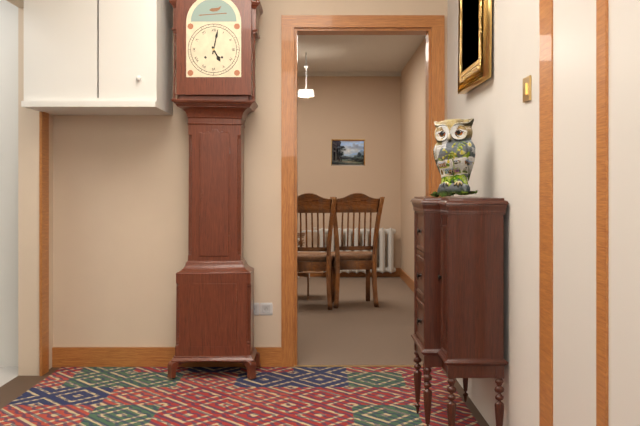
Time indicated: 5:02
